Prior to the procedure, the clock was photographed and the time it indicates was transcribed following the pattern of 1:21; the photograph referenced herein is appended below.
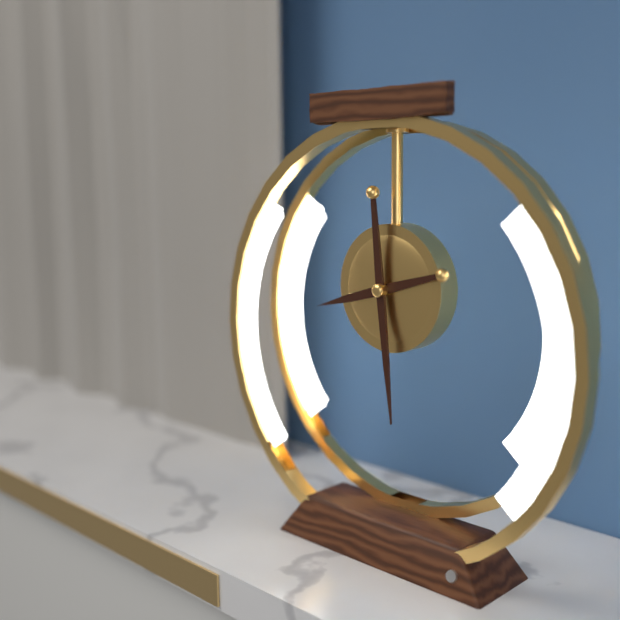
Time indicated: 8:29
